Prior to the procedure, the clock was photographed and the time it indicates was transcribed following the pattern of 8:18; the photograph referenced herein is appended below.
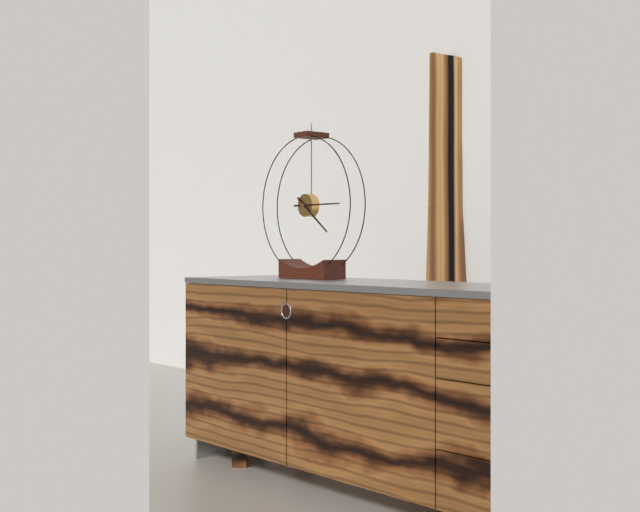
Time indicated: 4:15
